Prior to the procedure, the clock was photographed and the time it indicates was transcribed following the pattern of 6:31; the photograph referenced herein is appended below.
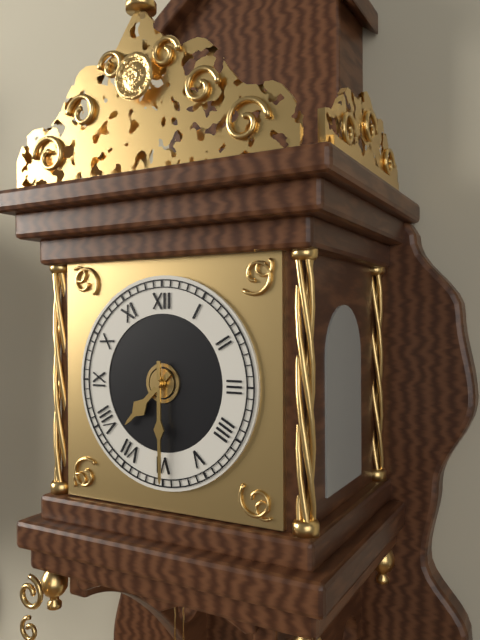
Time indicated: 7:30
